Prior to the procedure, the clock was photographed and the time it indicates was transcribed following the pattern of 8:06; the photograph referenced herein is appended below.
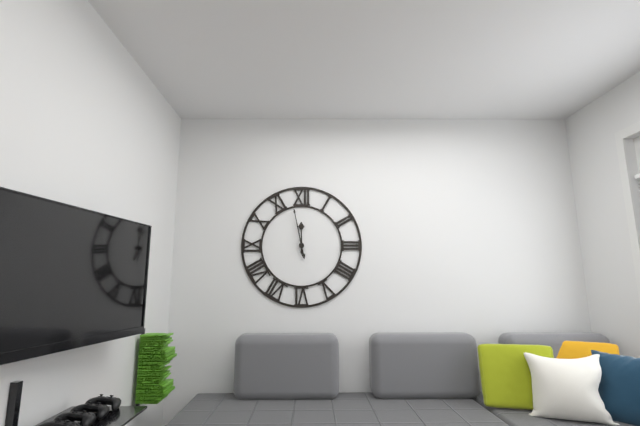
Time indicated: 11:58
